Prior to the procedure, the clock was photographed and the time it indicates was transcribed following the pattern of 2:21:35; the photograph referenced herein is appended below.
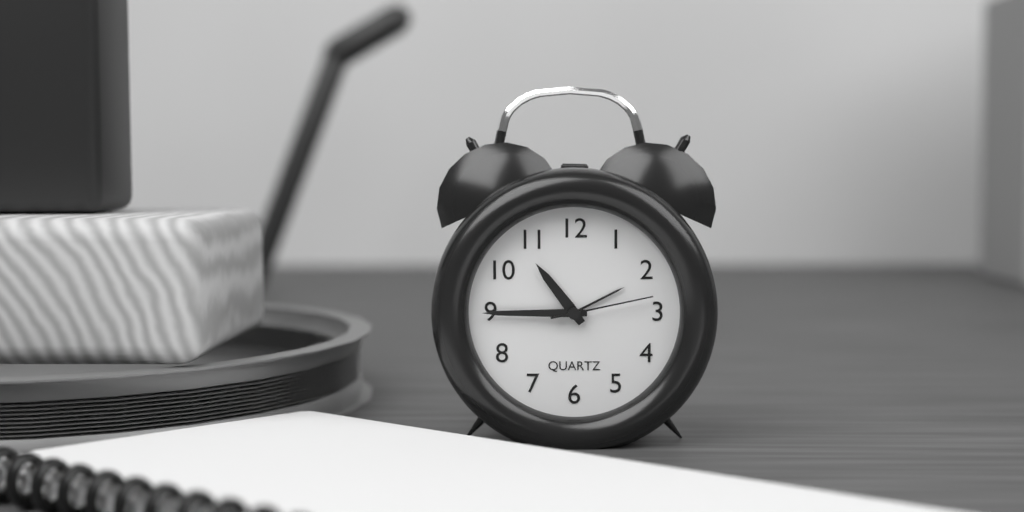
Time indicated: 10:45:13
